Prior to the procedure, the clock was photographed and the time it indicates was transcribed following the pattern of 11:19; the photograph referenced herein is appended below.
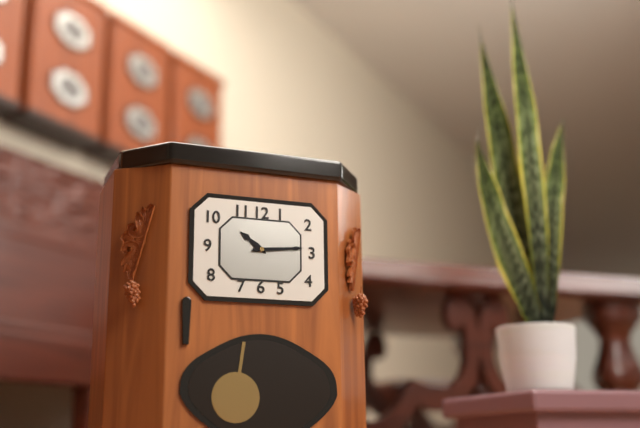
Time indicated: 10:14
